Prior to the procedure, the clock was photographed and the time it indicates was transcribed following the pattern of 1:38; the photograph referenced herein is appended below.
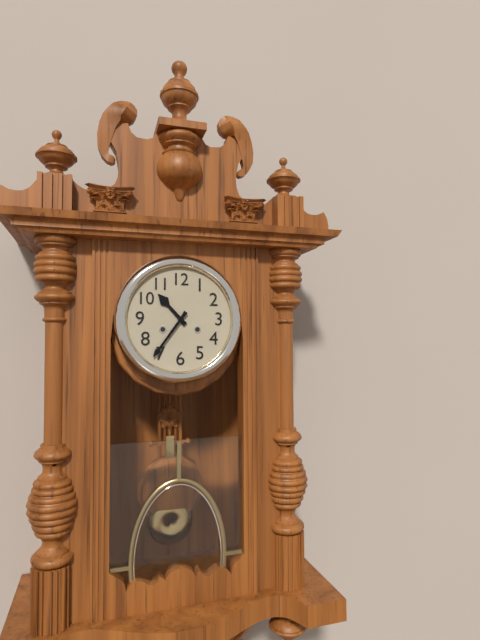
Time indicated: 10:36
